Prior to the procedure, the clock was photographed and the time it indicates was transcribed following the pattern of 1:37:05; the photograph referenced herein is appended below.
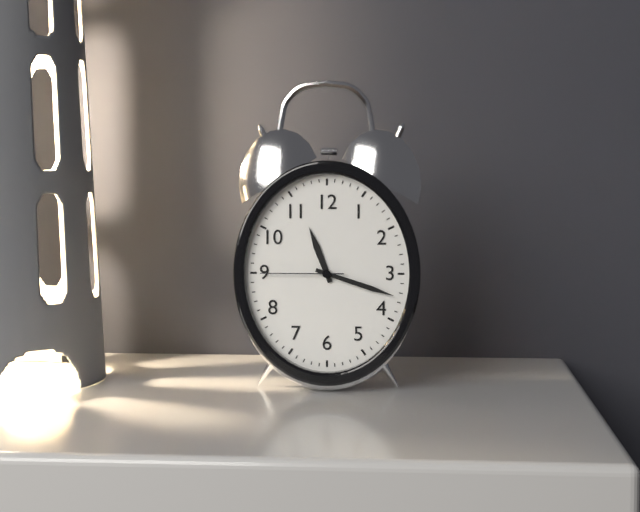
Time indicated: 11:18:45
